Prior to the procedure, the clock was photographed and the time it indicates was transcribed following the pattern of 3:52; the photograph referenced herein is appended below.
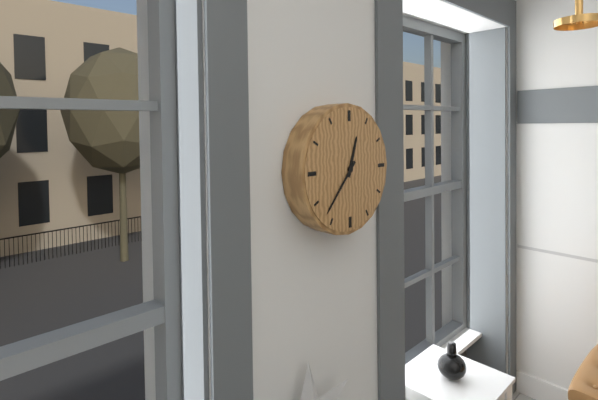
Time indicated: 12:37
